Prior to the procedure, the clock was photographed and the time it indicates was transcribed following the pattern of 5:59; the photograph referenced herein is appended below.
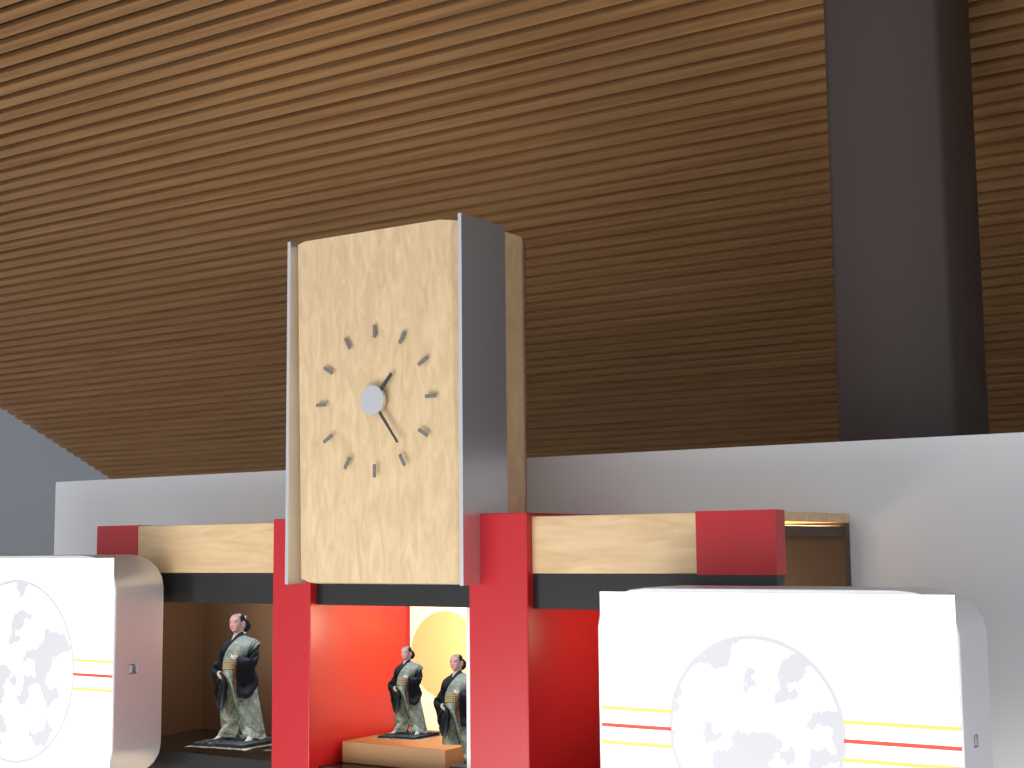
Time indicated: 1:24
